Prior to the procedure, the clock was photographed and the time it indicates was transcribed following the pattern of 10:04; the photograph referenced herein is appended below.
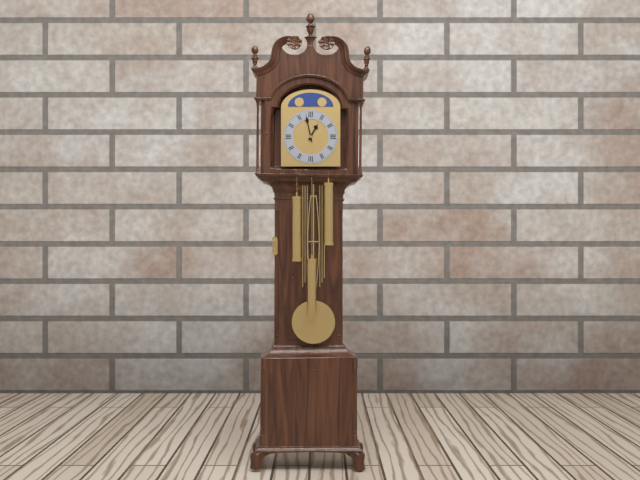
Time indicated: 12:58
